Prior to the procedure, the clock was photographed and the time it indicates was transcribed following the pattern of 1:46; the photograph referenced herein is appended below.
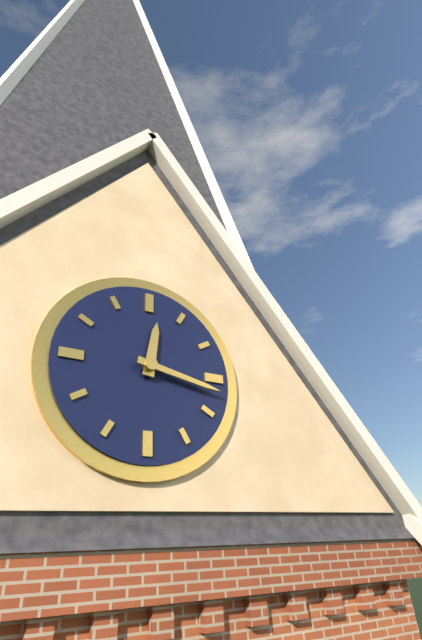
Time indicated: 12:17
